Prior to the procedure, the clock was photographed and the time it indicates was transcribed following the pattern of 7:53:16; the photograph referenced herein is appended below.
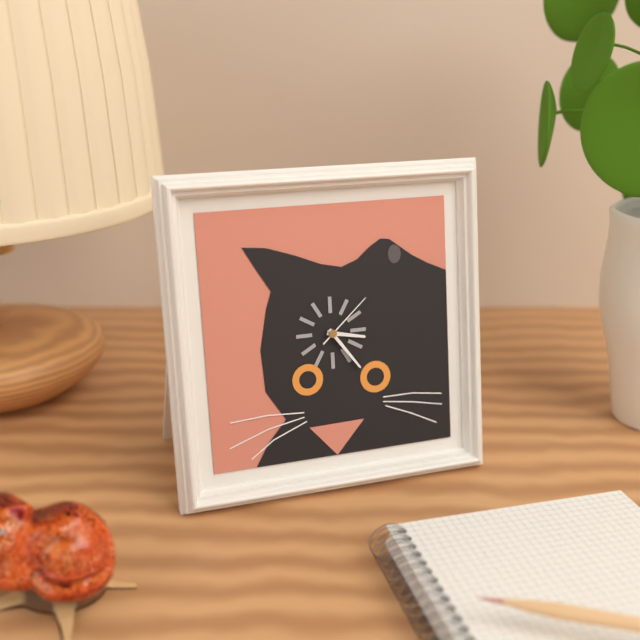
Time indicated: 3:24:08
